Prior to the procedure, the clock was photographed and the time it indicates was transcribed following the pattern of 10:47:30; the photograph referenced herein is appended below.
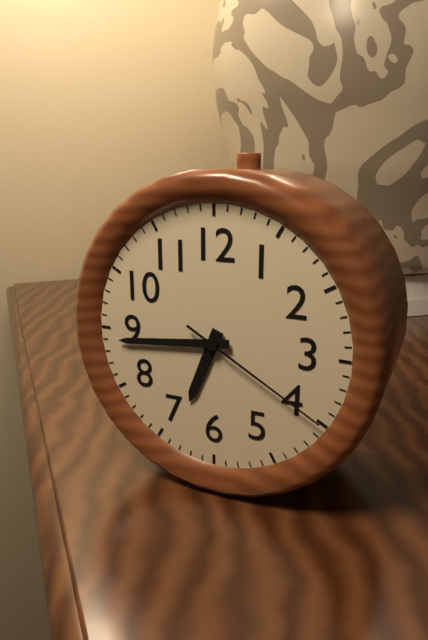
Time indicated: 6:44:20
